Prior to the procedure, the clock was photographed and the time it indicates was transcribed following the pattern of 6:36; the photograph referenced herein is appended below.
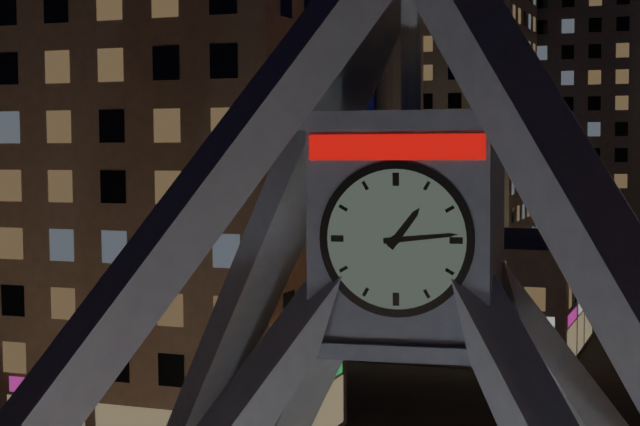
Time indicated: 1:14
